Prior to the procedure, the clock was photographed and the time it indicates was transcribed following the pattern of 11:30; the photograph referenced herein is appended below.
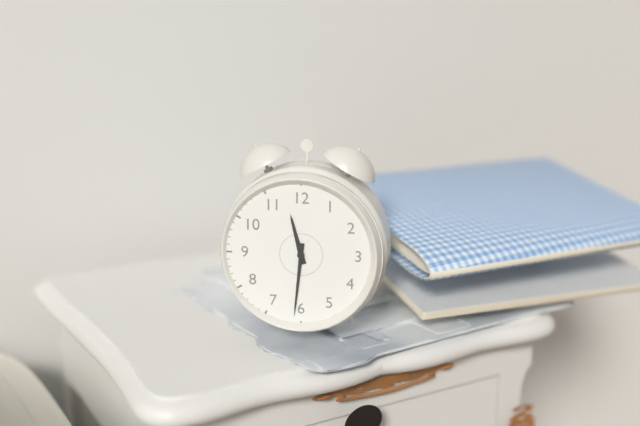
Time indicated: 11:31
